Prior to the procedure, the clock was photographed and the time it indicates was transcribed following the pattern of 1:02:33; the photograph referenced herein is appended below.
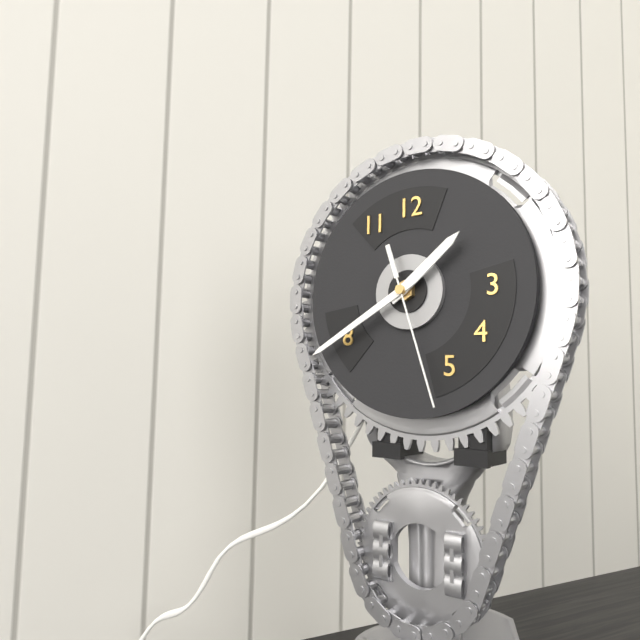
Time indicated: 1:40:27
